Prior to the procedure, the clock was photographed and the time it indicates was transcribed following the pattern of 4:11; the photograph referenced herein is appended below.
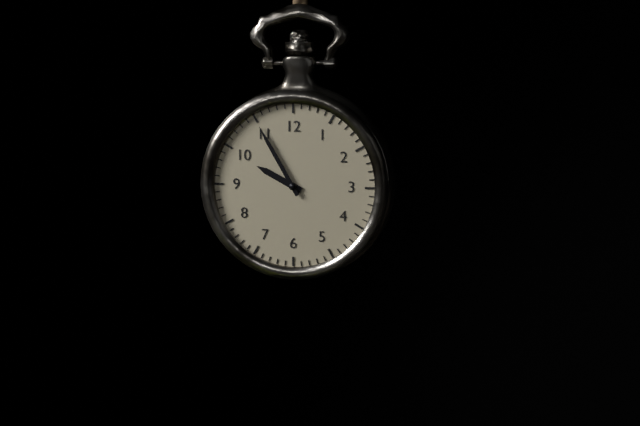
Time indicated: 9:55
